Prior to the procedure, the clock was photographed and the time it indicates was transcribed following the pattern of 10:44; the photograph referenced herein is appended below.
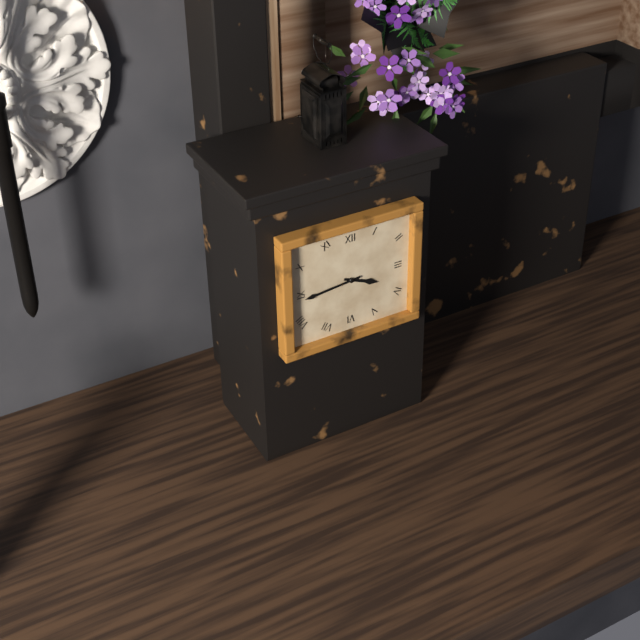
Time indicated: 3:44
